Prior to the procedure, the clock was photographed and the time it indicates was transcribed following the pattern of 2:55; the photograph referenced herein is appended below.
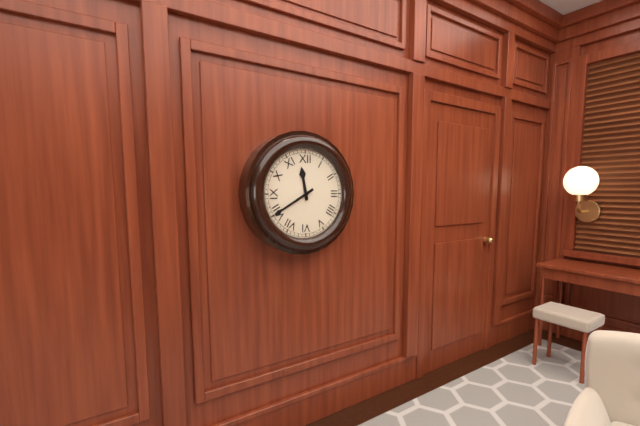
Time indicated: 11:40
